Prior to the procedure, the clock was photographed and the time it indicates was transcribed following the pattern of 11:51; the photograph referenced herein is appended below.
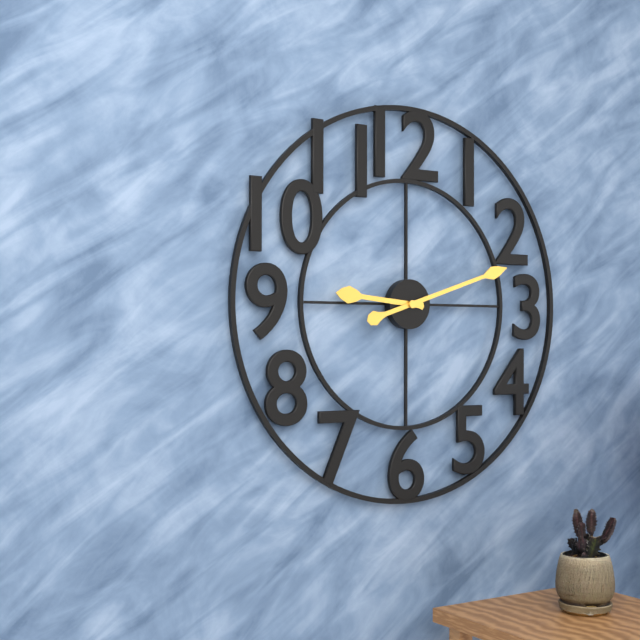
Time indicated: 9:12
